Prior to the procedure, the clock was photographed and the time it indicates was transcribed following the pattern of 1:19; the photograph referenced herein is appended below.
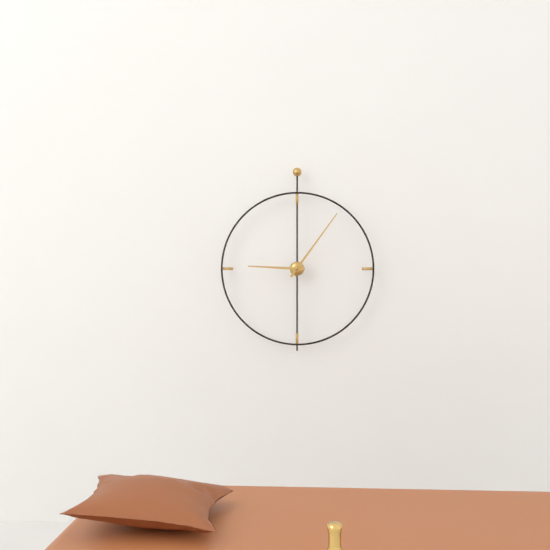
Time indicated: 9:06
